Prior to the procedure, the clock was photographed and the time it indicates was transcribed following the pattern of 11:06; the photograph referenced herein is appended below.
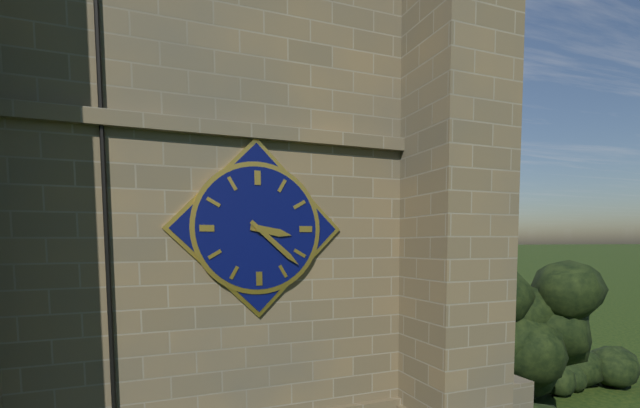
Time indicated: 3:22
